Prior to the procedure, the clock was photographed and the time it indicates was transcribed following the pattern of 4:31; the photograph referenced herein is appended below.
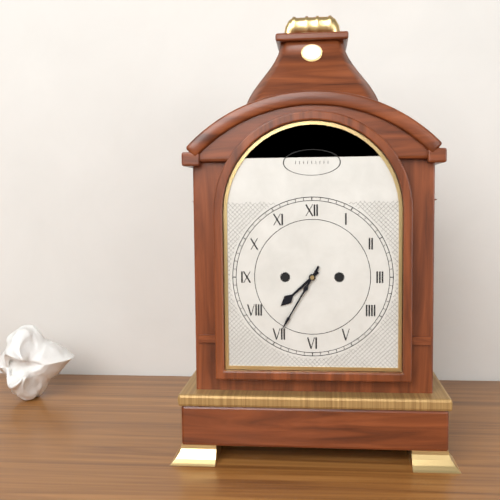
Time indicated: 7:35
